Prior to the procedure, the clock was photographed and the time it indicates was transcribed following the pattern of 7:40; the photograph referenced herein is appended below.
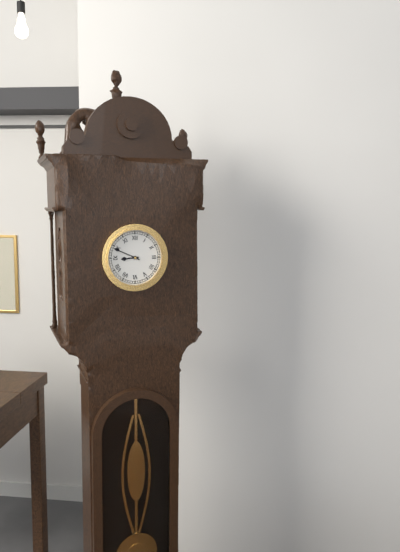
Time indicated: 8:49
